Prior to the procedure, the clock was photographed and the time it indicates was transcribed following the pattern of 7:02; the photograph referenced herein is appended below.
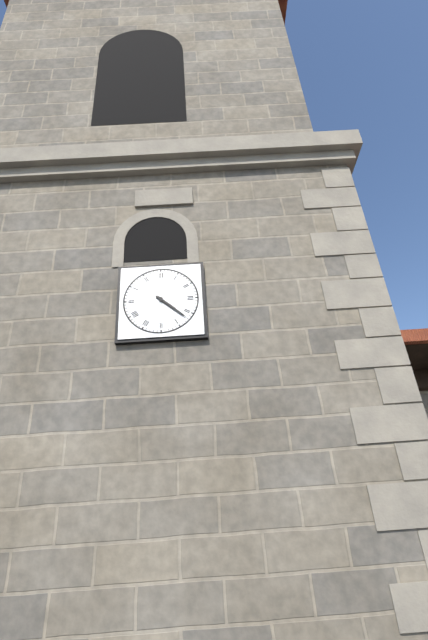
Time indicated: 4:22
